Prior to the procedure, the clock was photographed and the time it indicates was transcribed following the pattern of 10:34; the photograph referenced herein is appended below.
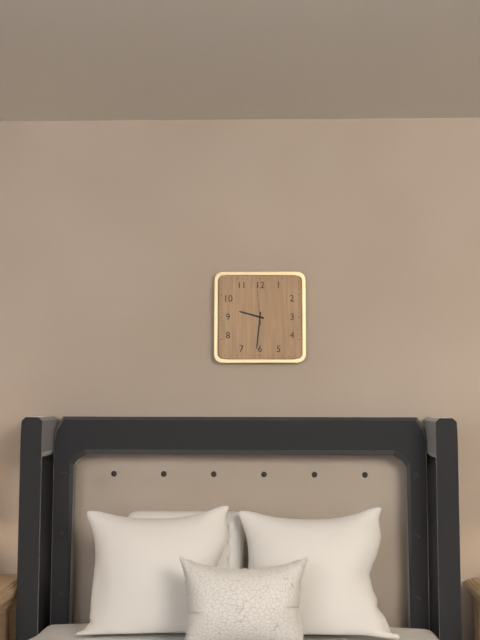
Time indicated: 9:31
